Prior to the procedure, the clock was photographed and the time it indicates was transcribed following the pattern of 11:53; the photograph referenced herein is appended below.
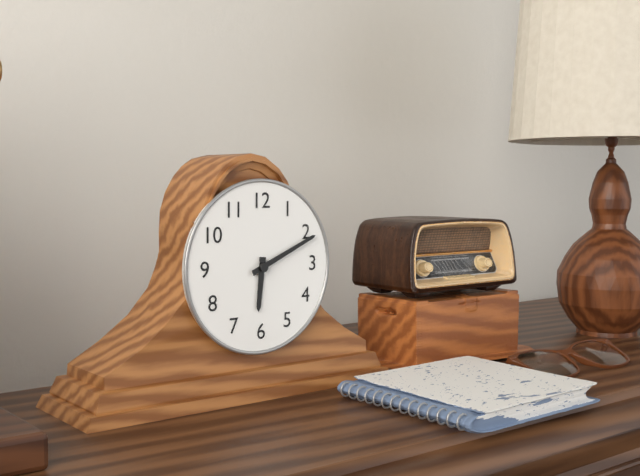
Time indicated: 6:11
